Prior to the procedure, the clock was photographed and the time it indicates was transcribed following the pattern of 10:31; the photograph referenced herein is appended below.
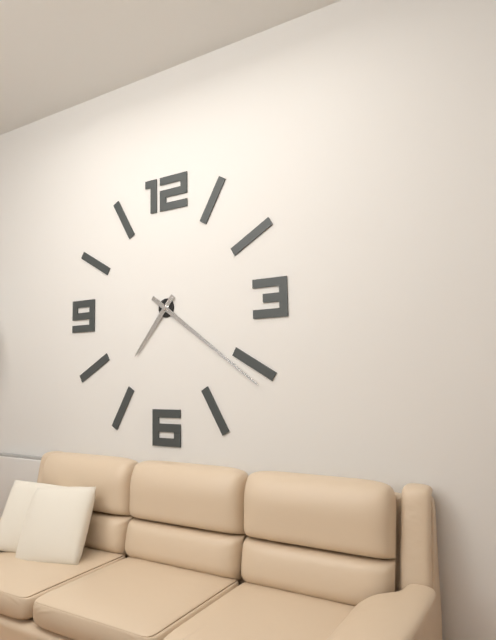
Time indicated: 7:21
